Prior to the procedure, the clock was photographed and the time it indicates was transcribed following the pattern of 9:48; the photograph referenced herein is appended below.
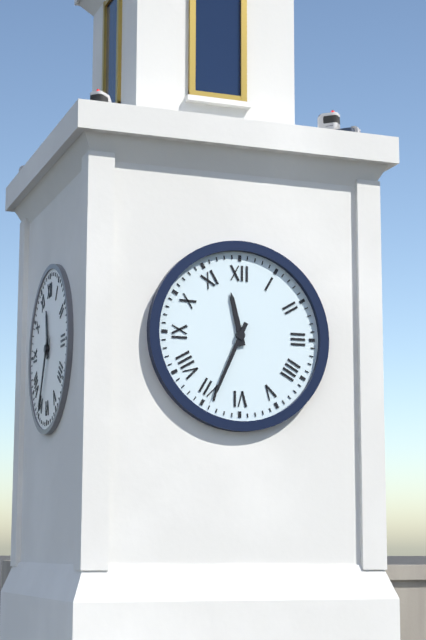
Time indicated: 11:34
